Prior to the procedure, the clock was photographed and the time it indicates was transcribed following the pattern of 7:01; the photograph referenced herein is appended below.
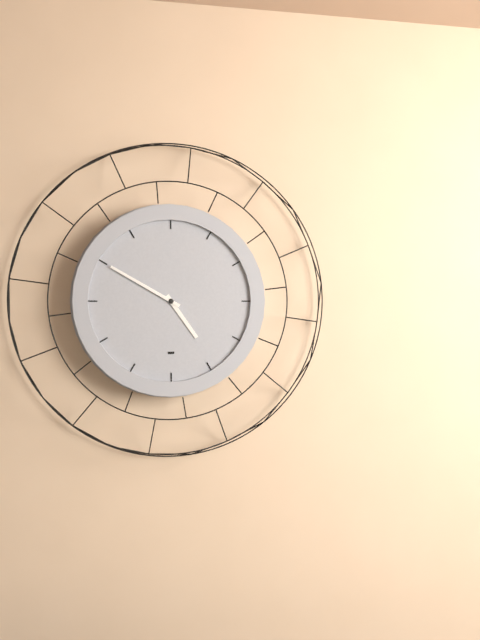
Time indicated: 4:50
